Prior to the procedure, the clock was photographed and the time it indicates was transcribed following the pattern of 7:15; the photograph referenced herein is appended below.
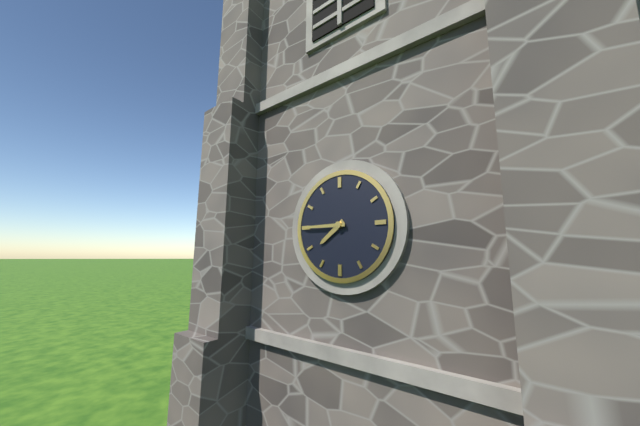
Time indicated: 7:45
